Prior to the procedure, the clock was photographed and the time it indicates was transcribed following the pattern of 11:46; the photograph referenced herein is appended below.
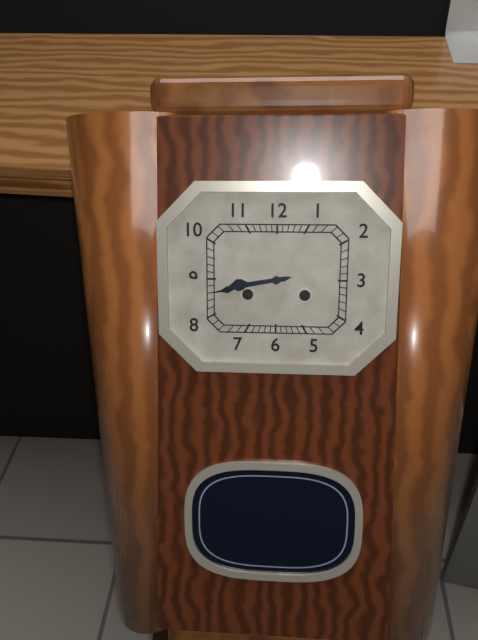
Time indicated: 8:43
